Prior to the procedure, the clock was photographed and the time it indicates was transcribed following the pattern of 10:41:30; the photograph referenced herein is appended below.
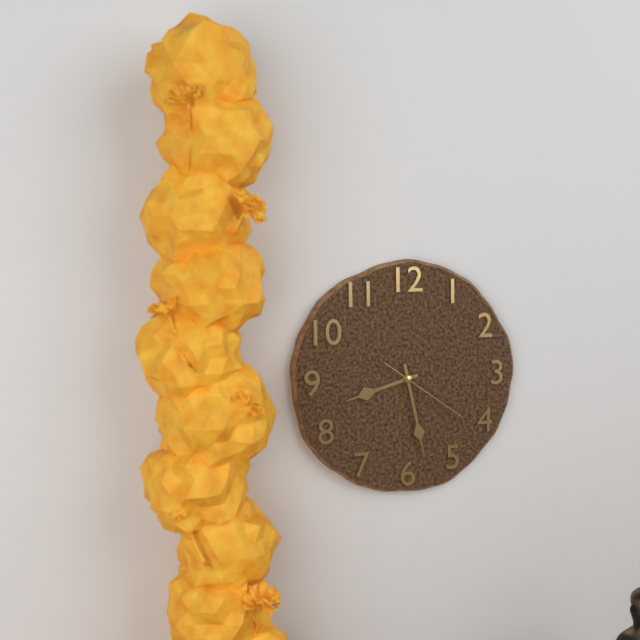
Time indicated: 8:28:21
